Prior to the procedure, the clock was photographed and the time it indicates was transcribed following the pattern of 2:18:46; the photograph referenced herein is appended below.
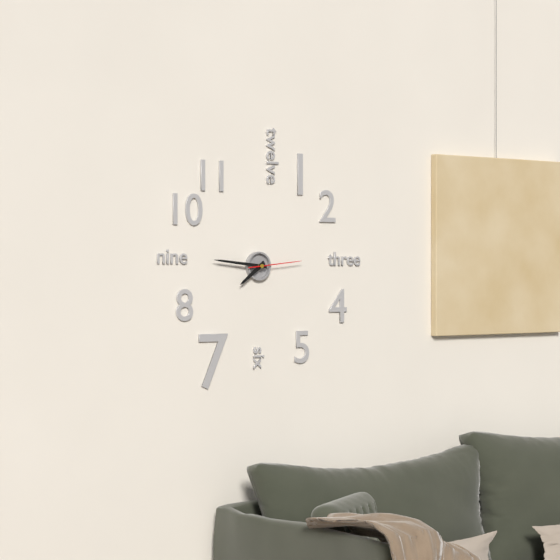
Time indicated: 7:46:14
